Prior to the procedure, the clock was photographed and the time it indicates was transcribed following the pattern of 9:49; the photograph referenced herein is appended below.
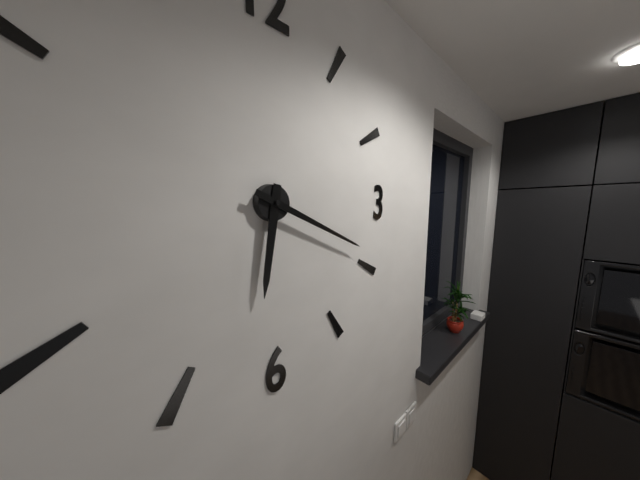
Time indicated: 6:19
